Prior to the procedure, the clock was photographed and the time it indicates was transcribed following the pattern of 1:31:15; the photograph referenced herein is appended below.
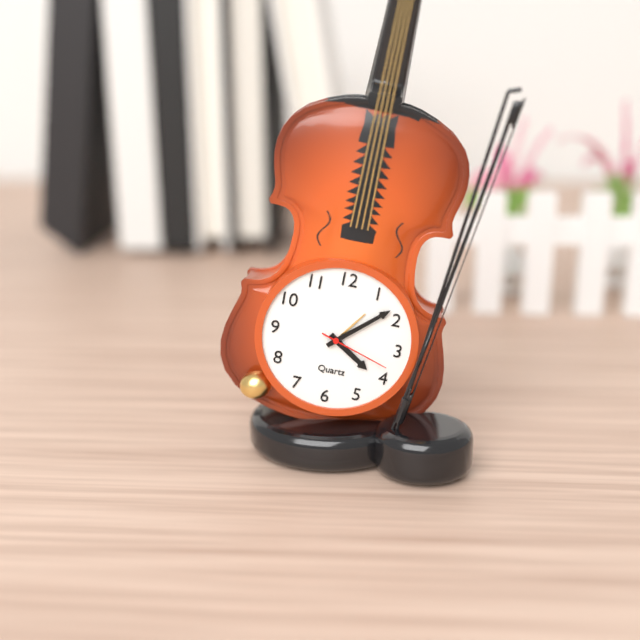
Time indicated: 4:08:18
